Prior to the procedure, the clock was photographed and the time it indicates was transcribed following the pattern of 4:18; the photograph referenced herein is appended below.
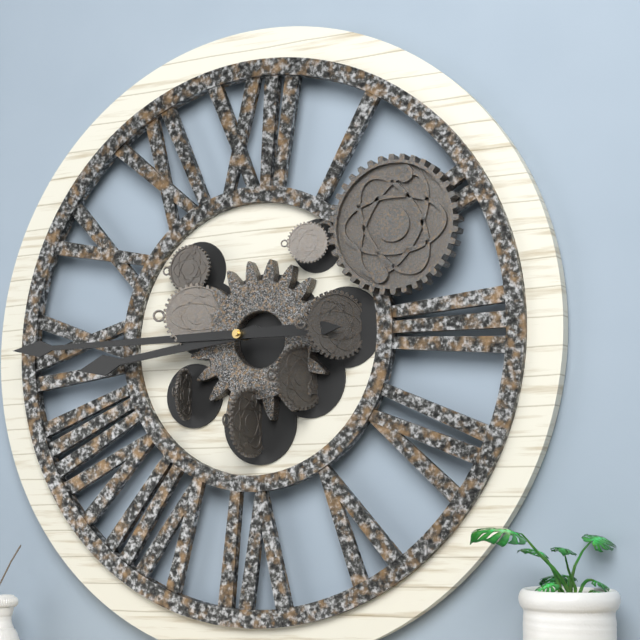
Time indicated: 8:45
